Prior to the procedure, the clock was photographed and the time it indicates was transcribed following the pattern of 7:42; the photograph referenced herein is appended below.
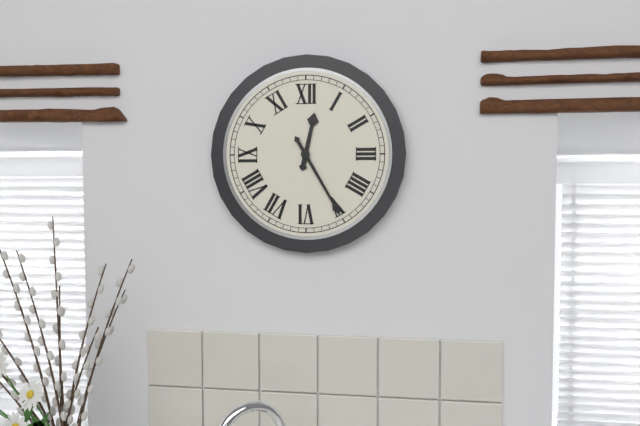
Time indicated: 12:25
